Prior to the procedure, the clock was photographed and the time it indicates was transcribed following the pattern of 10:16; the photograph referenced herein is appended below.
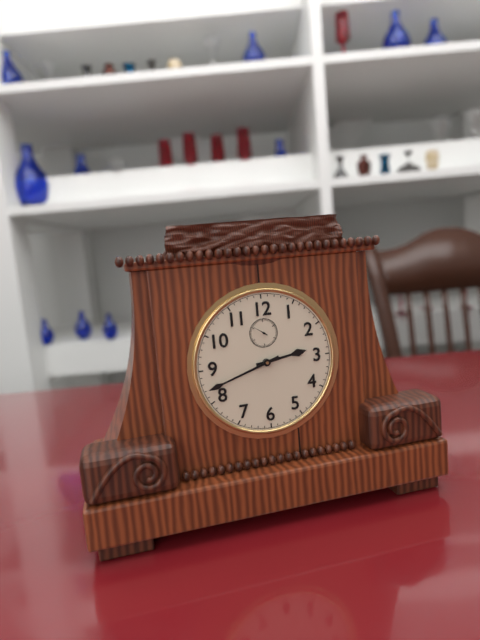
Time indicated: 2:42
